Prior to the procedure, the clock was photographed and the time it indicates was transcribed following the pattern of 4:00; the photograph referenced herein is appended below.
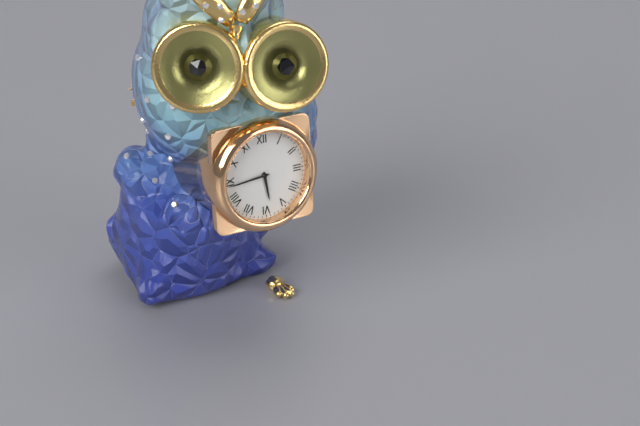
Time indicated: 5:44
